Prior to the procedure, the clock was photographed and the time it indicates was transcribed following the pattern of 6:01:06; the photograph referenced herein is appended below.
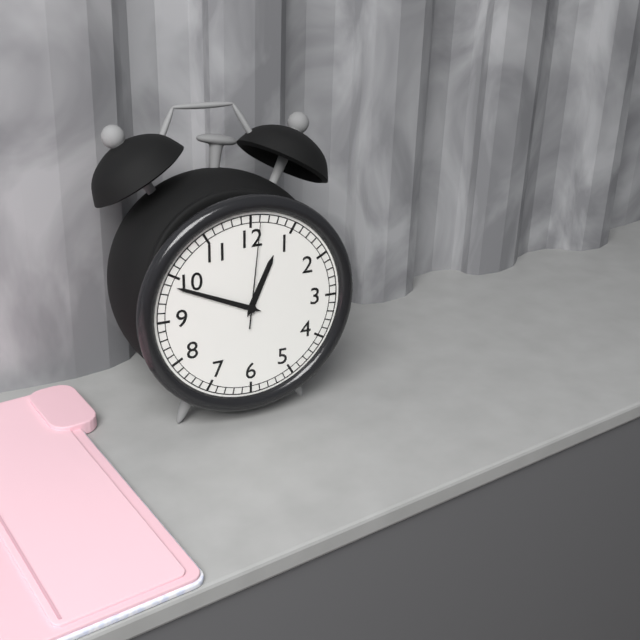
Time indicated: 12:49:01
